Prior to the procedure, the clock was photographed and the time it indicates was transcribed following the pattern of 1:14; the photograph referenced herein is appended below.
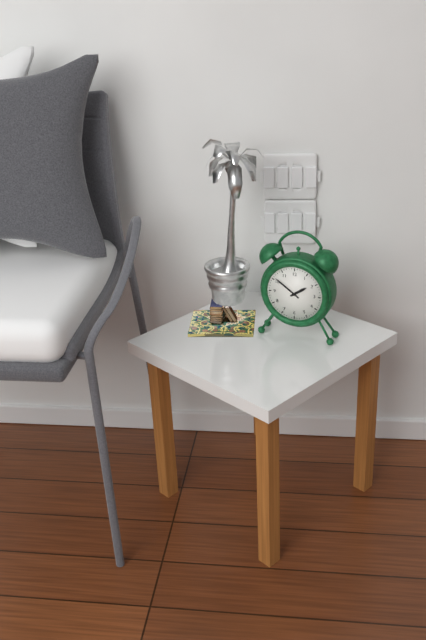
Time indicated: 1:51
